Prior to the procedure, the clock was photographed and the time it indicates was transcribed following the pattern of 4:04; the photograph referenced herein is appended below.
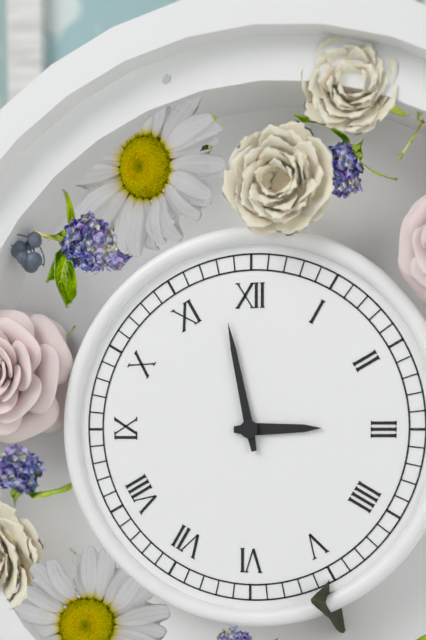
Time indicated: 2:58
